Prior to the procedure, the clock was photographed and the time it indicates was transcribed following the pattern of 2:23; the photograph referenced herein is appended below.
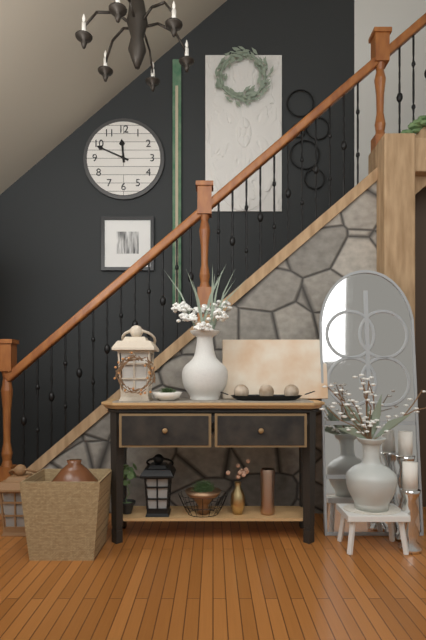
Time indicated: 11:49
